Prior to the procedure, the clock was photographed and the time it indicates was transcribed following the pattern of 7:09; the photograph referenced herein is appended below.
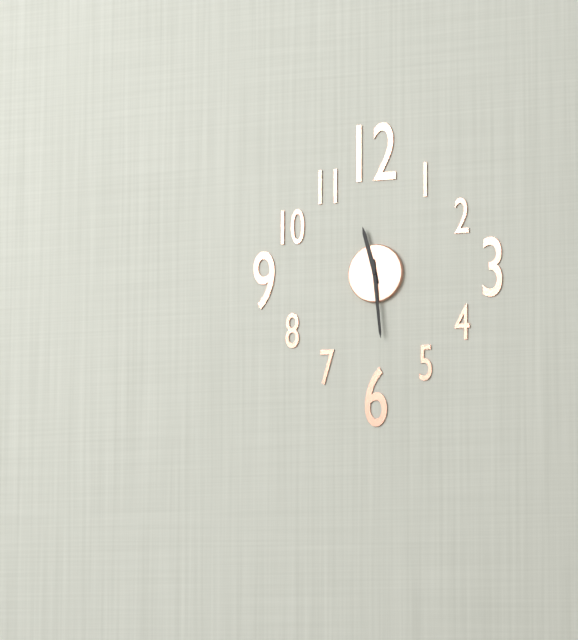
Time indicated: 11:29
